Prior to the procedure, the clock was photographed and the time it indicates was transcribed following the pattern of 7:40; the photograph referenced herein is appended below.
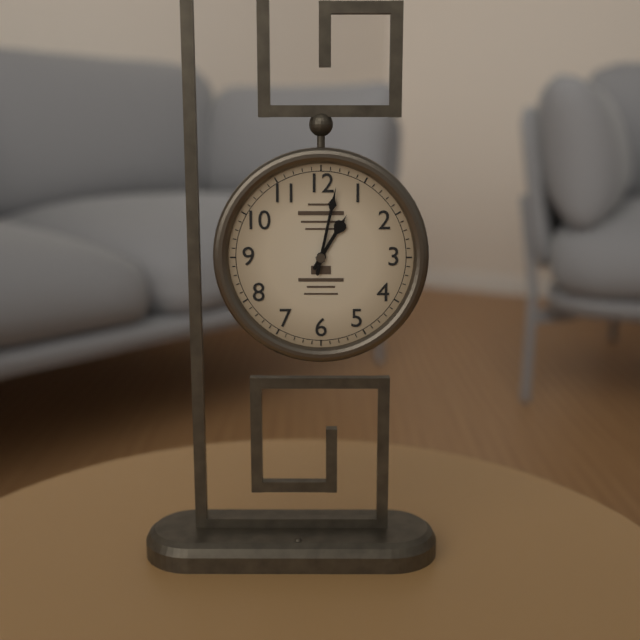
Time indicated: 1:02
